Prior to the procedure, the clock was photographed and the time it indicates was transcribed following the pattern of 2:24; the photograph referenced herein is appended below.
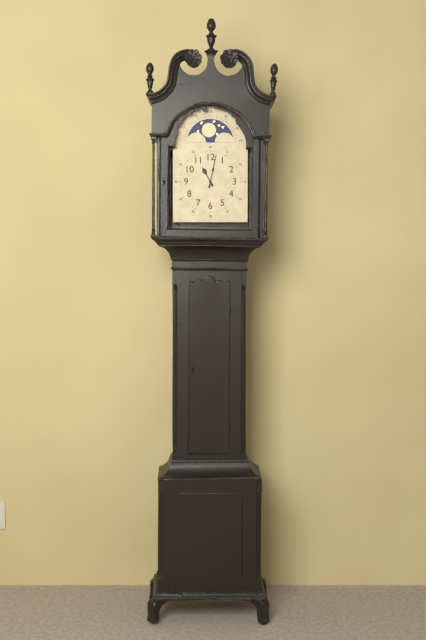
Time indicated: 11:02
